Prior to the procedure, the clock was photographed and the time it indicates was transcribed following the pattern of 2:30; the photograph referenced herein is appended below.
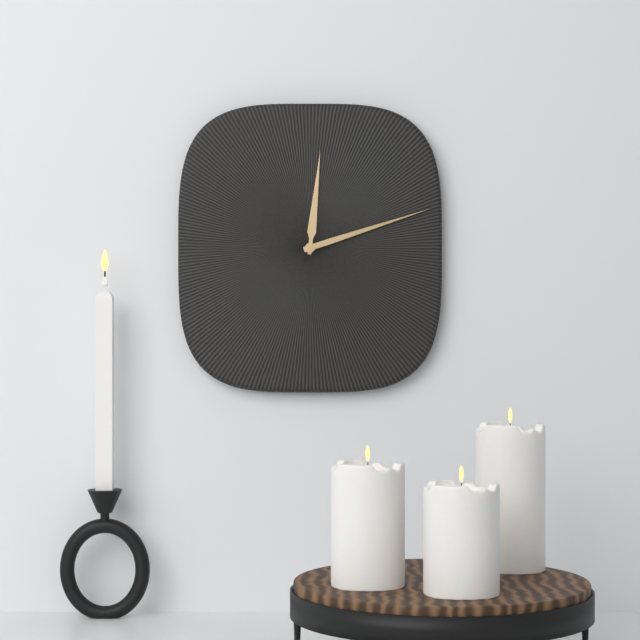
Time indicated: 12:12
